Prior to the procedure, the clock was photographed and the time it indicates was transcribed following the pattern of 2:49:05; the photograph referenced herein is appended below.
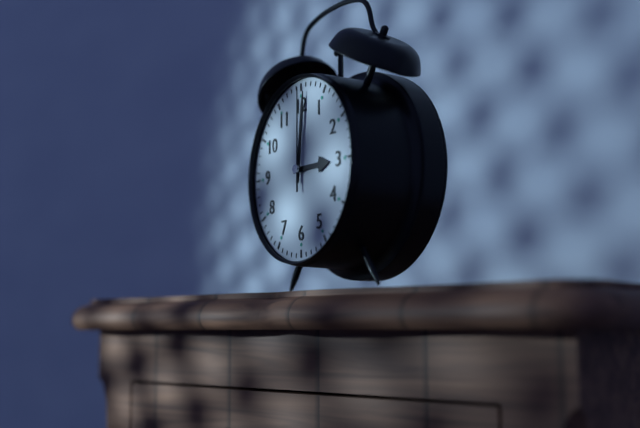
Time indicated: 3:01:00
